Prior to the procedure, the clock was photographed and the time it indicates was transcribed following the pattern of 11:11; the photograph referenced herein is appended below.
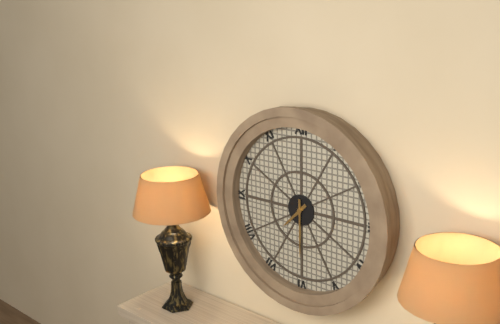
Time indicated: 7:30
